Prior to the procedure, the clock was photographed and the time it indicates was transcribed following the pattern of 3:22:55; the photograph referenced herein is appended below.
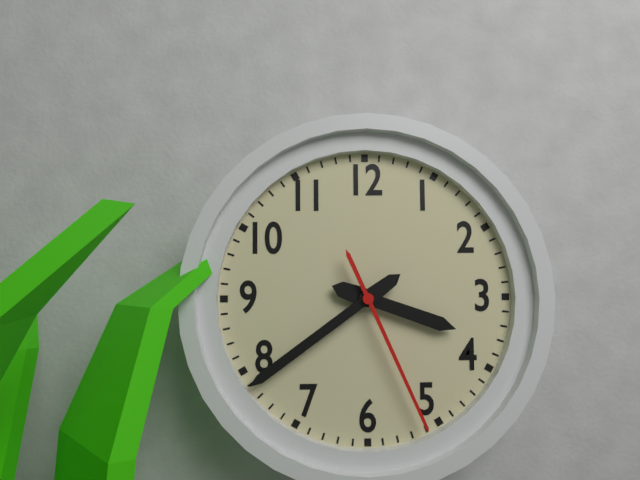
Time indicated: 3:39:26
